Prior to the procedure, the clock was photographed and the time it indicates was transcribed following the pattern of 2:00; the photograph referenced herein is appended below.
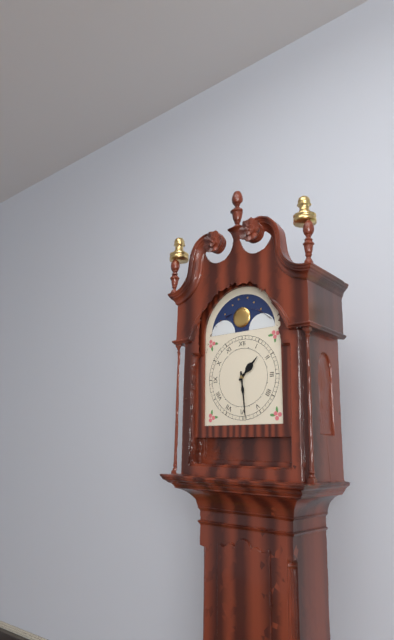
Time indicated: 1:29
